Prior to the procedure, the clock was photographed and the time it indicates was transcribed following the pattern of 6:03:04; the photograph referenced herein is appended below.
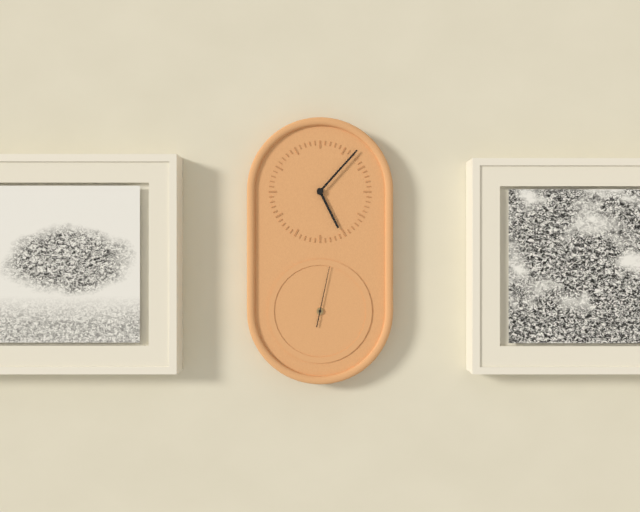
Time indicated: 5:07:02
